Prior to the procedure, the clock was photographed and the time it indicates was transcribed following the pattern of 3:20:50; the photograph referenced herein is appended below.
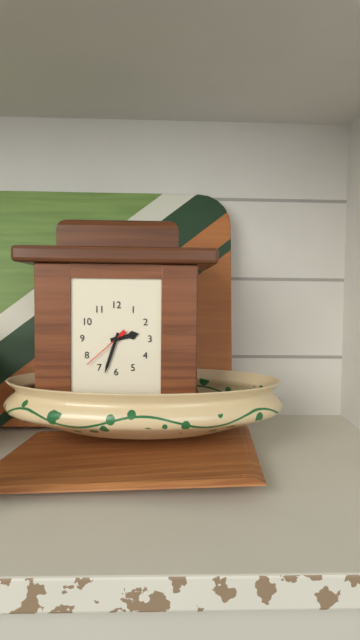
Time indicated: 2:33:38
